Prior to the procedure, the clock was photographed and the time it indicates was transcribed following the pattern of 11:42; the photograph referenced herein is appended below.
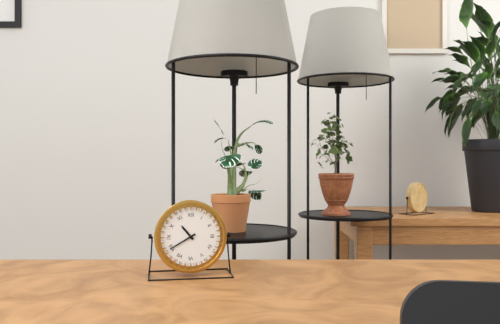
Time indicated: 10:40
